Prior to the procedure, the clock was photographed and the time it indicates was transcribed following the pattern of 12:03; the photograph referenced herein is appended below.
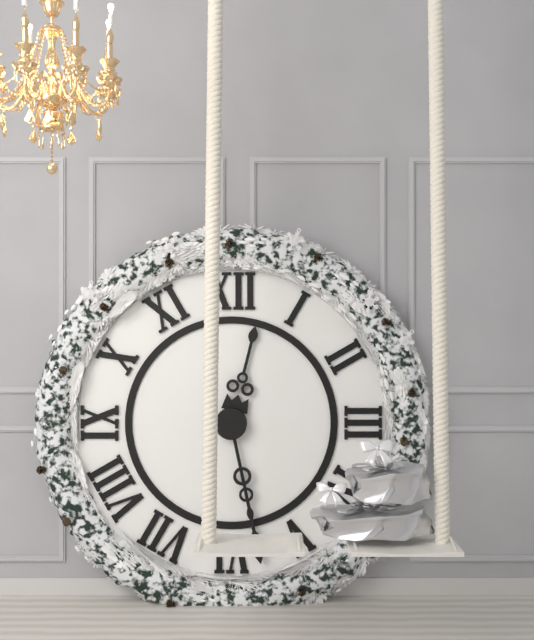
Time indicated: 12:28
